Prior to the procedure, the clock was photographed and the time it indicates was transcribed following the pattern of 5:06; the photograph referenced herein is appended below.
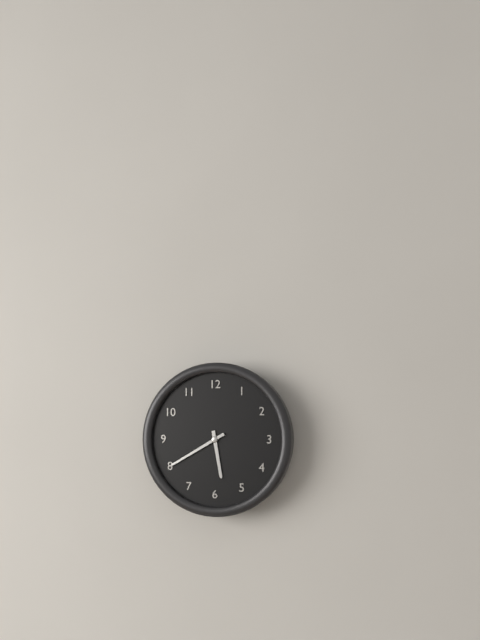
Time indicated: 5:40
